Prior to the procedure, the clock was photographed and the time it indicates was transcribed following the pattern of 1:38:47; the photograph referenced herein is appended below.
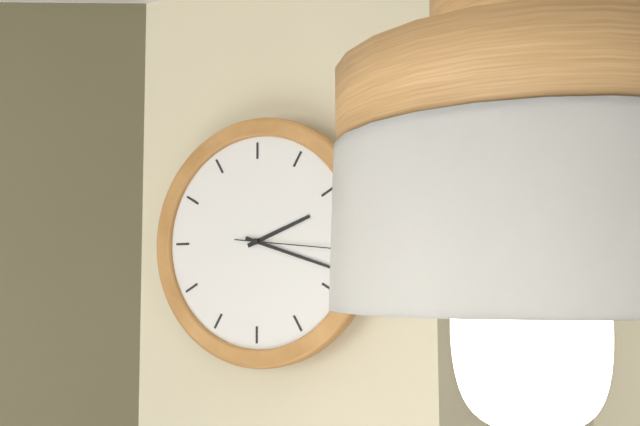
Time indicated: 2:18:16
